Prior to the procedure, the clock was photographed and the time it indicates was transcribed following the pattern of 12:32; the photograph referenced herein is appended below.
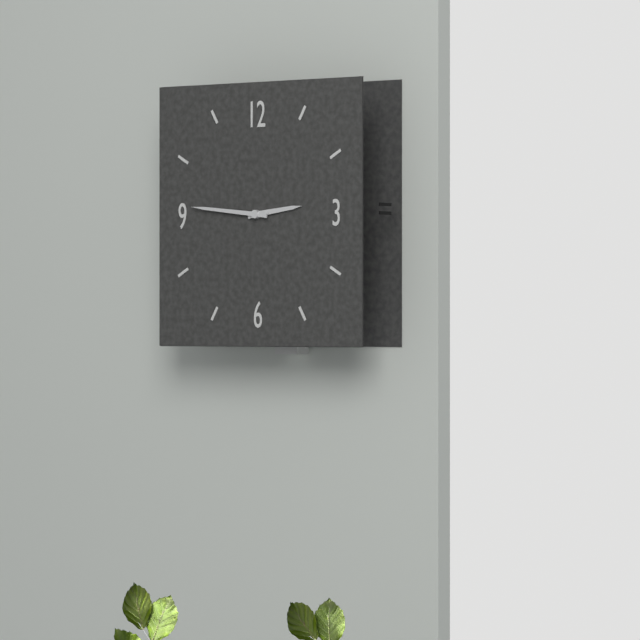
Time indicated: 2:46
